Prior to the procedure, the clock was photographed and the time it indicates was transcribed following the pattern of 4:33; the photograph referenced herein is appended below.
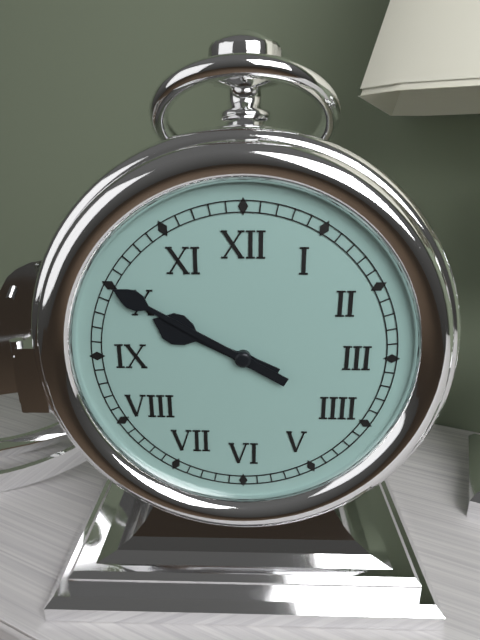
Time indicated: 9:50
